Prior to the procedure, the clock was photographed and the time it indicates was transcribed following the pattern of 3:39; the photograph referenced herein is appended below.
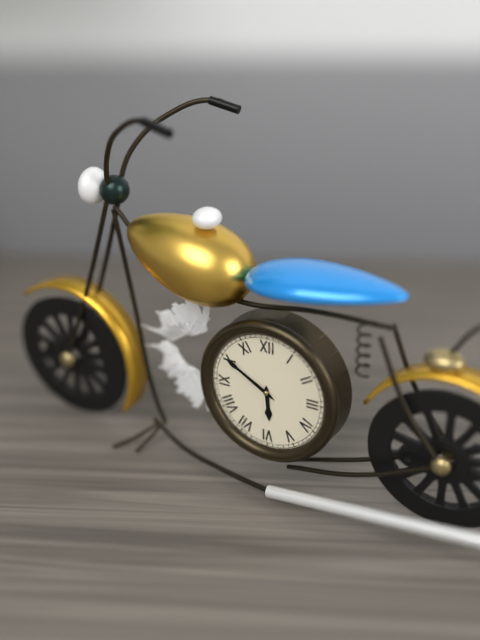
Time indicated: 5:50
